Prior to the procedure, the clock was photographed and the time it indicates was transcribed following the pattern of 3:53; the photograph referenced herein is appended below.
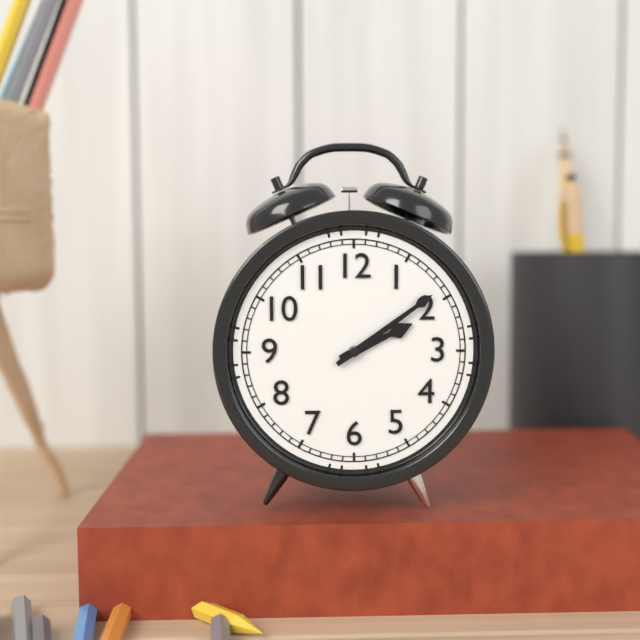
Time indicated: 2:09
